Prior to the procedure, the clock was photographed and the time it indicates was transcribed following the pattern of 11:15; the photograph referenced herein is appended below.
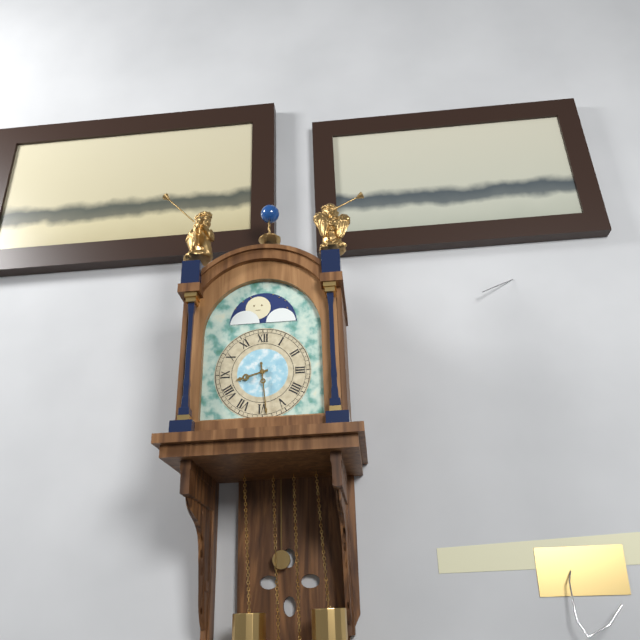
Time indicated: 8:29
